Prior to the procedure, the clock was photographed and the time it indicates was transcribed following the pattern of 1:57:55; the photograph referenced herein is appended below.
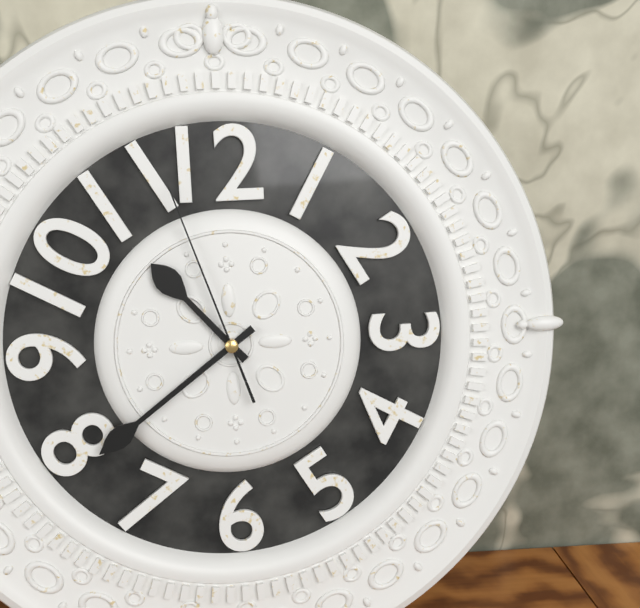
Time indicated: 10:39:57
